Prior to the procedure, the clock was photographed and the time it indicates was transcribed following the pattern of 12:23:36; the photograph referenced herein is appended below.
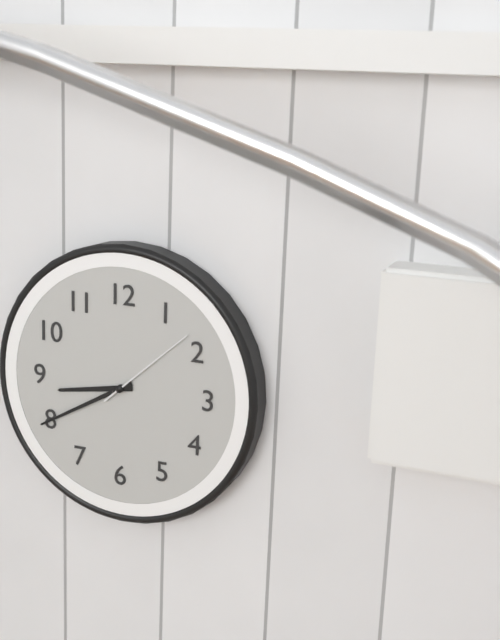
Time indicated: 8:40:08
